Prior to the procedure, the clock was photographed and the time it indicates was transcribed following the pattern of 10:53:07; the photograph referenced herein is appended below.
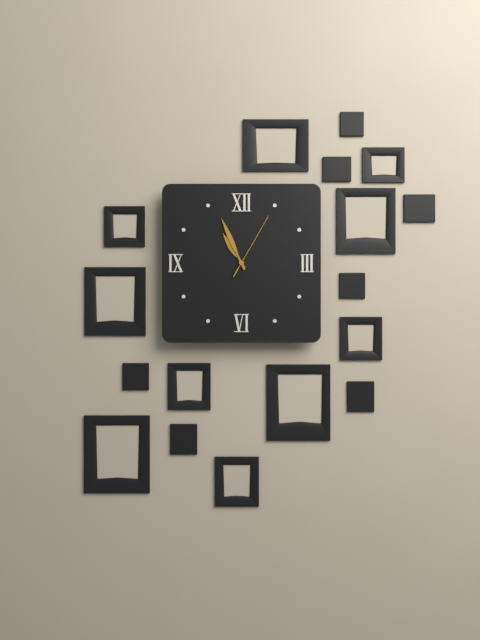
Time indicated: 10:56:05
